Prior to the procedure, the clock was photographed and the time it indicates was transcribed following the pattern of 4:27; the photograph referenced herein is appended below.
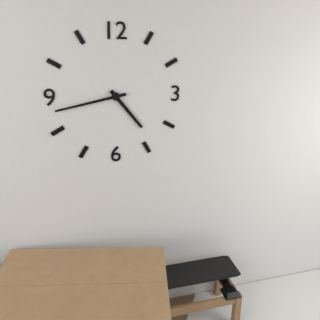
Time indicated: 4:43
